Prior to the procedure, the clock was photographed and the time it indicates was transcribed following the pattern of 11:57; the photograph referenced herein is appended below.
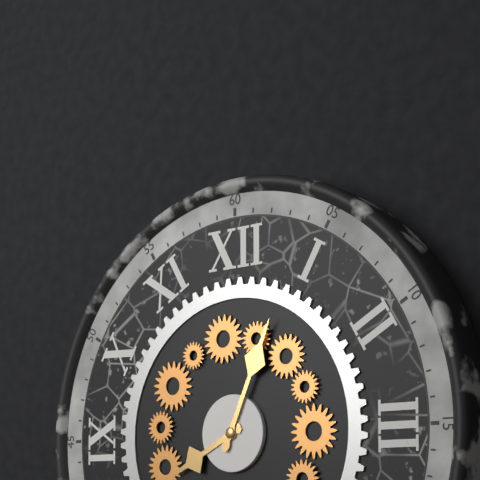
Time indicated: 8:04
